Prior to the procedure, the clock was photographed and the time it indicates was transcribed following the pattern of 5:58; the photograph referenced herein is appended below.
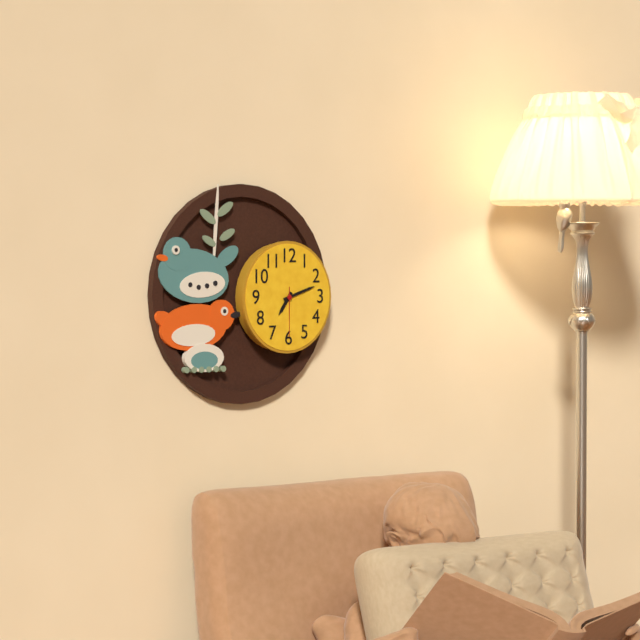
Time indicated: 7:12
